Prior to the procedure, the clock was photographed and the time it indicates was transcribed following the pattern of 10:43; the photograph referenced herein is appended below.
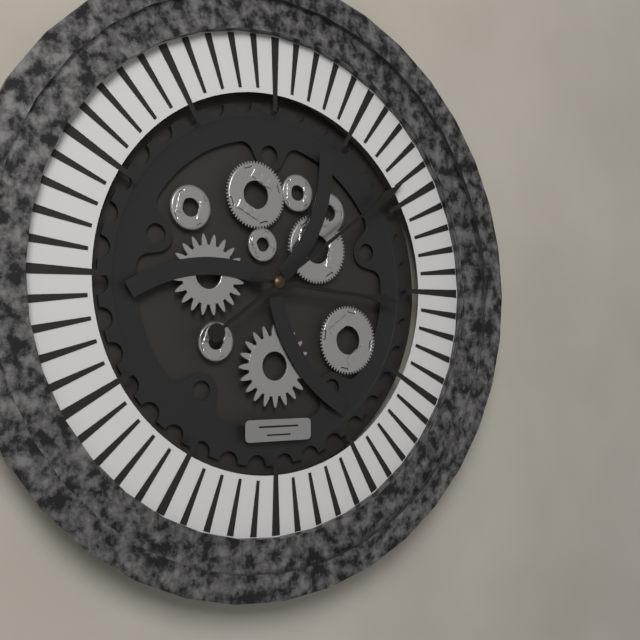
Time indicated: 3:09
